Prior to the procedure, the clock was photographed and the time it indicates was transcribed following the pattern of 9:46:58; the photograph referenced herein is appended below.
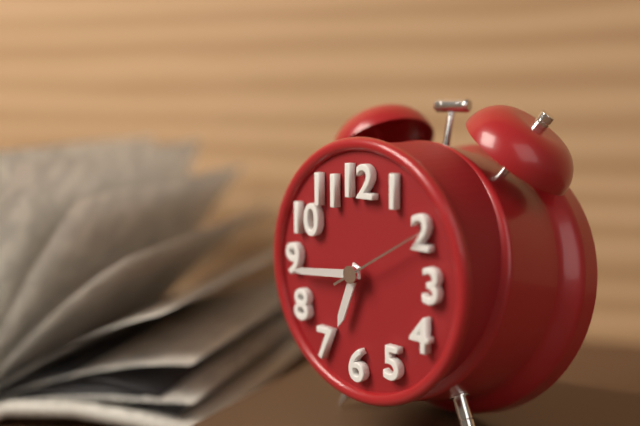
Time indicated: 6:44:10
